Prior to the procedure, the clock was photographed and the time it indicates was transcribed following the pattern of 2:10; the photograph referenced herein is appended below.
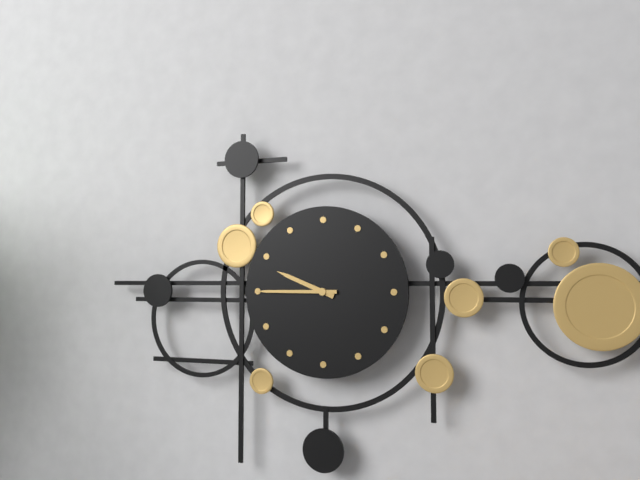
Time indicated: 9:45
